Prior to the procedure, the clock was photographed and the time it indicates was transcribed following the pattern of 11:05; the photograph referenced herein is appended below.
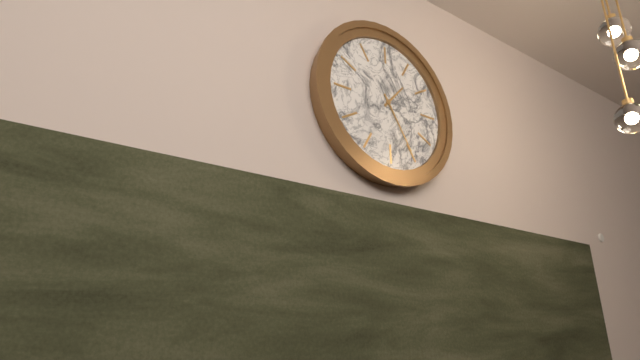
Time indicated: 1:25
